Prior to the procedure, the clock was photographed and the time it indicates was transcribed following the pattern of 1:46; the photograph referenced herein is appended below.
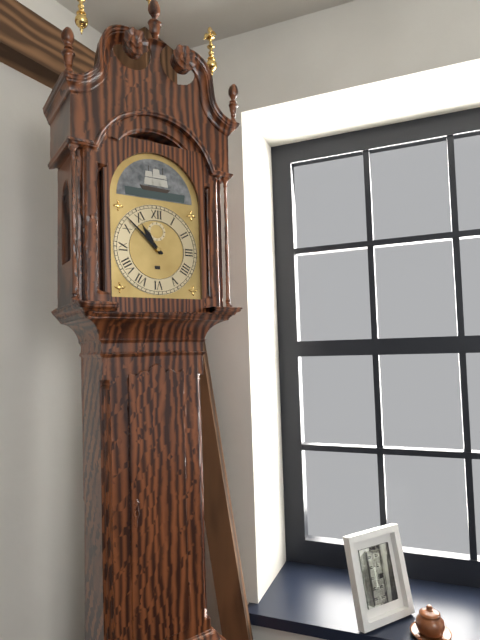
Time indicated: 10:52
